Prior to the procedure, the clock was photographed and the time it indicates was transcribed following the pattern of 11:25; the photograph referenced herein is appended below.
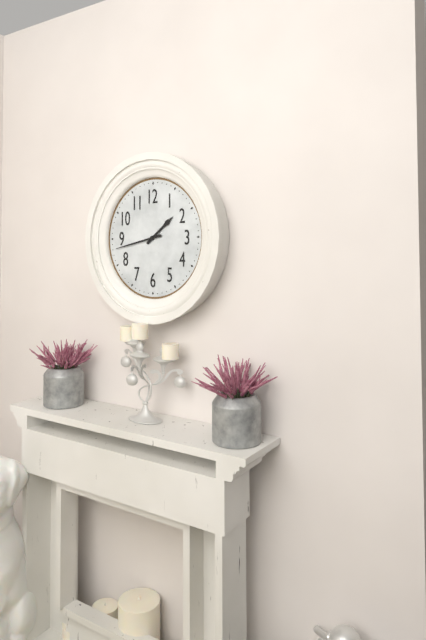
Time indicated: 1:43
